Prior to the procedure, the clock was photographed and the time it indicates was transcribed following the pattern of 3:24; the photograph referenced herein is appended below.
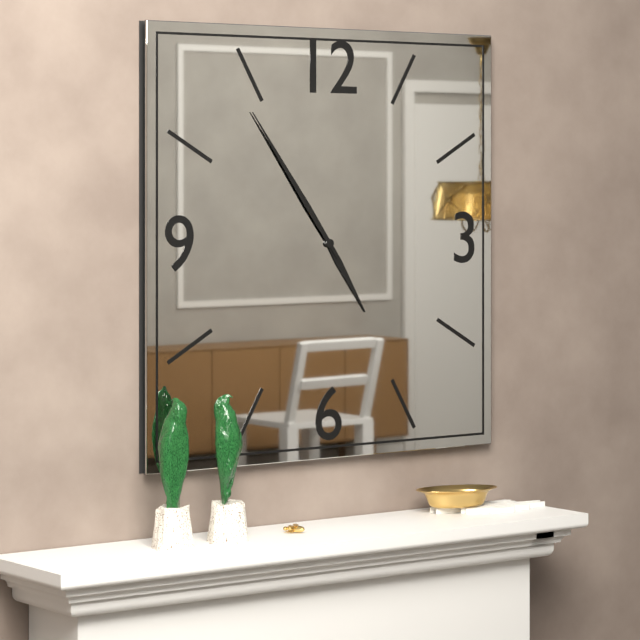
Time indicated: 4:54
